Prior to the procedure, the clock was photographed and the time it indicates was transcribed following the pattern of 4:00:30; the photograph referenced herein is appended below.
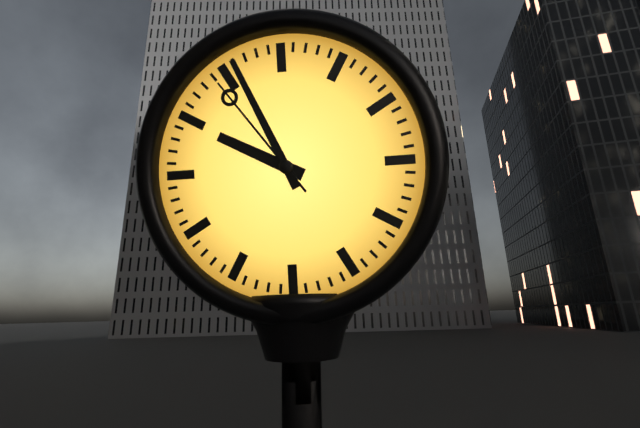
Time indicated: 9:56:54
